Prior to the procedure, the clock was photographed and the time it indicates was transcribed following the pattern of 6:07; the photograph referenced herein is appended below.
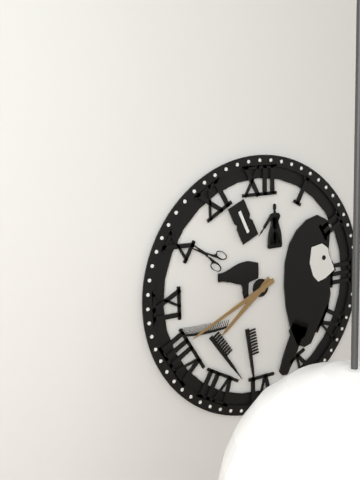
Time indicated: 7:41
